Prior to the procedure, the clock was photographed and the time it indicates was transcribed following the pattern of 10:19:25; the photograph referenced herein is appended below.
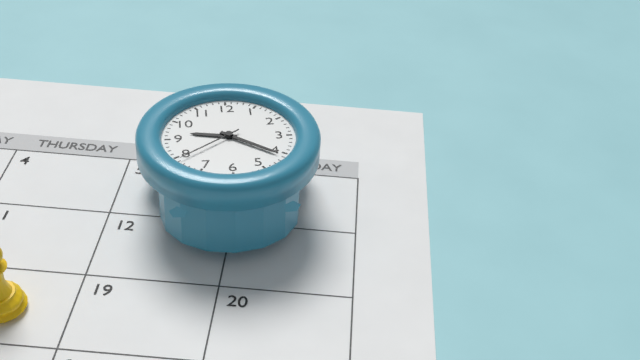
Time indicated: 9:21:39
